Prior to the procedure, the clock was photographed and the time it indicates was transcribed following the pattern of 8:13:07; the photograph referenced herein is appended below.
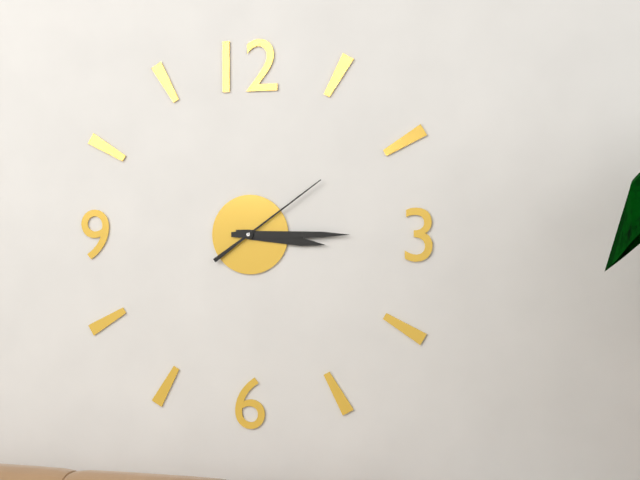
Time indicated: 3:15:09
